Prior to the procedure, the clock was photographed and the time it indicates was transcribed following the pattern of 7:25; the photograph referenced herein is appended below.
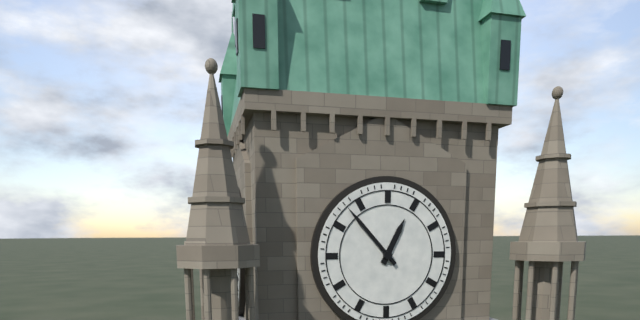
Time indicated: 12:53
